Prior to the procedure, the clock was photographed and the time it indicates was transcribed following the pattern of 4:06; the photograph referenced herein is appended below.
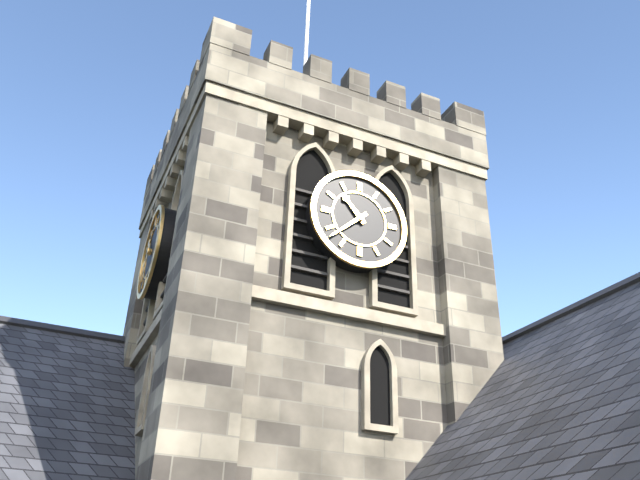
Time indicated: 10:38
